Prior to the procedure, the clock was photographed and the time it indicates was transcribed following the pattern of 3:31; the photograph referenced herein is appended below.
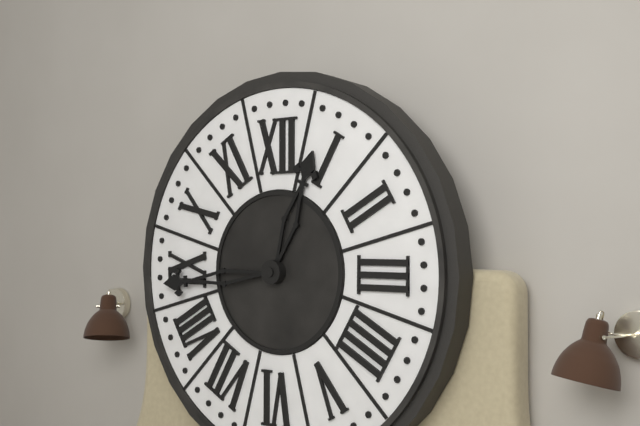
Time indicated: 12:44
